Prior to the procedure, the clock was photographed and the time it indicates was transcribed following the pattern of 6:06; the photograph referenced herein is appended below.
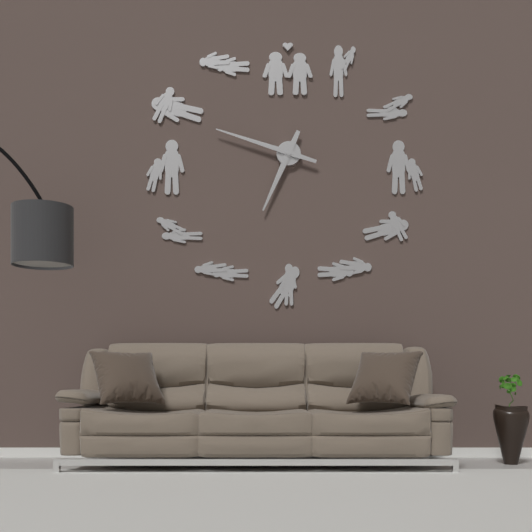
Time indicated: 6:48
